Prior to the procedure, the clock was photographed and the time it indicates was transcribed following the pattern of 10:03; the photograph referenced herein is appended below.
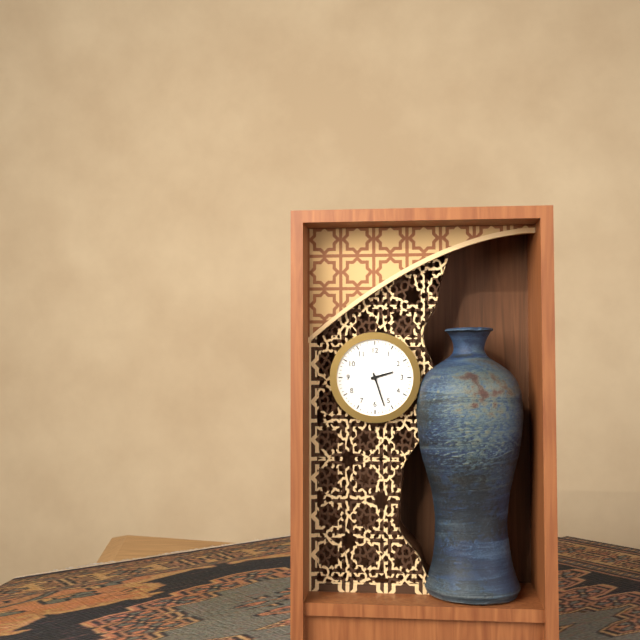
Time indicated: 2:27
